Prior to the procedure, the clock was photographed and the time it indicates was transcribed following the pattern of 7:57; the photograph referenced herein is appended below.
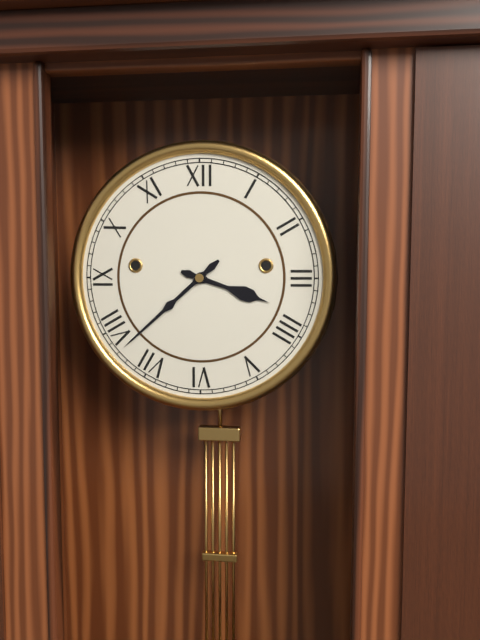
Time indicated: 3:38
